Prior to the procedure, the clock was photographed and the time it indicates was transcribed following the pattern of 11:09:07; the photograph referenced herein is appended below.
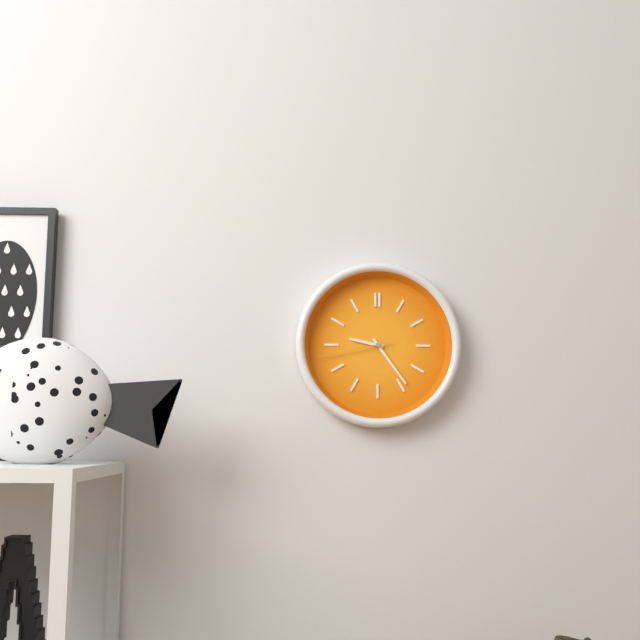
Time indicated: 9:24:43
